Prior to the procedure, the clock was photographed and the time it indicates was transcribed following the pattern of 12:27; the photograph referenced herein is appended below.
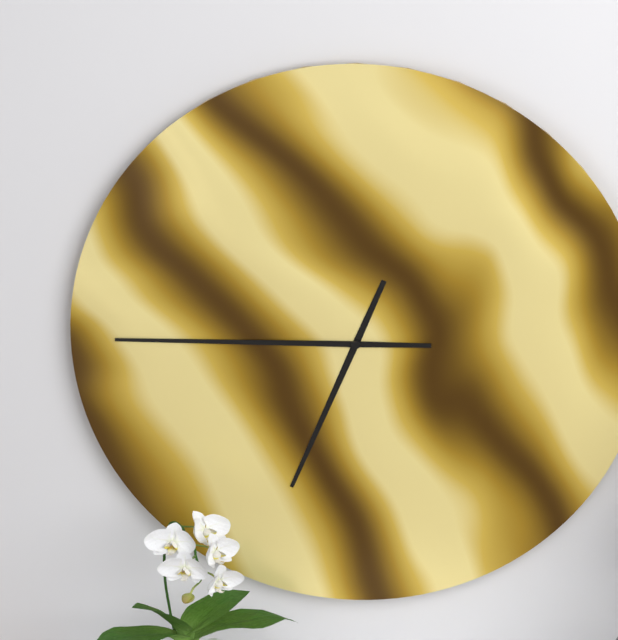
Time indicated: 6:45
